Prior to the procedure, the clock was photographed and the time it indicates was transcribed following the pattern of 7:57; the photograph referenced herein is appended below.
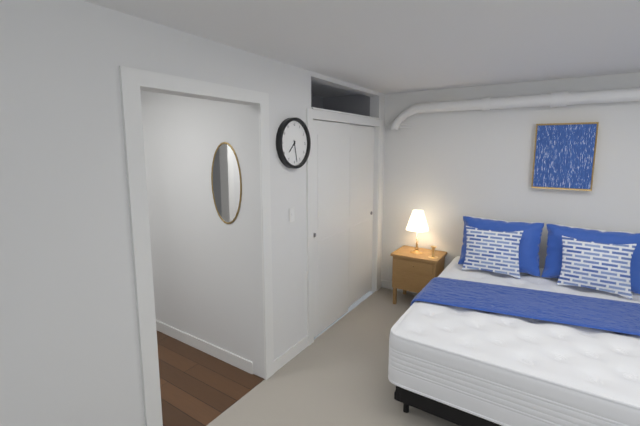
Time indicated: 7:28
